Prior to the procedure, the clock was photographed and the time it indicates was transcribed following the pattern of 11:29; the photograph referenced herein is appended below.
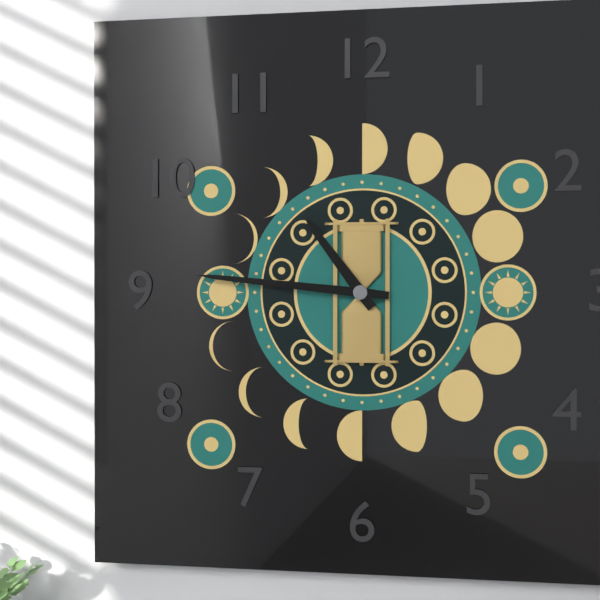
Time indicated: 10:46
